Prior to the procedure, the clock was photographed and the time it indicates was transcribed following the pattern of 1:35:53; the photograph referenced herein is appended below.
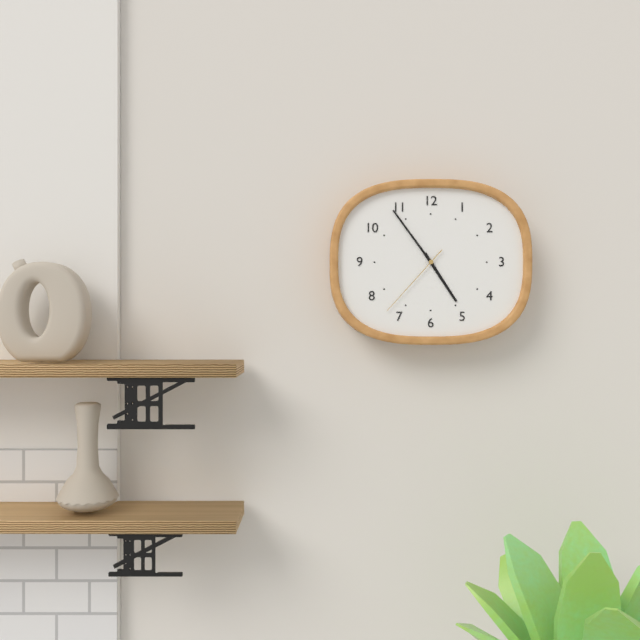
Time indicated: 4:54:37
